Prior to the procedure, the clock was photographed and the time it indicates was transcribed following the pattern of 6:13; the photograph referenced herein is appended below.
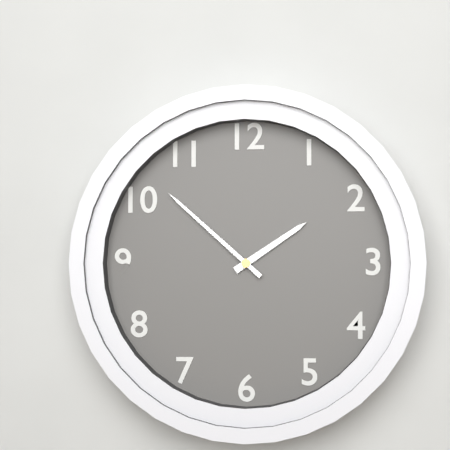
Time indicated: 1:52
